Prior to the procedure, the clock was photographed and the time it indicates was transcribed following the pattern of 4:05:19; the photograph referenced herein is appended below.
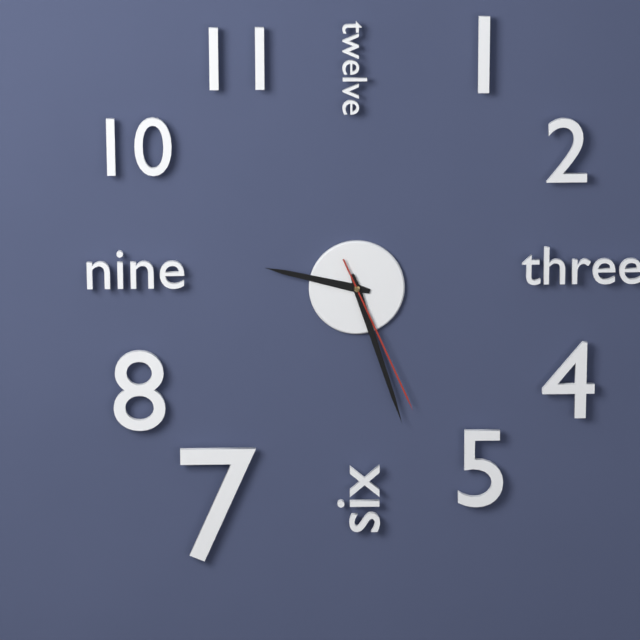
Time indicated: 9:27:26
